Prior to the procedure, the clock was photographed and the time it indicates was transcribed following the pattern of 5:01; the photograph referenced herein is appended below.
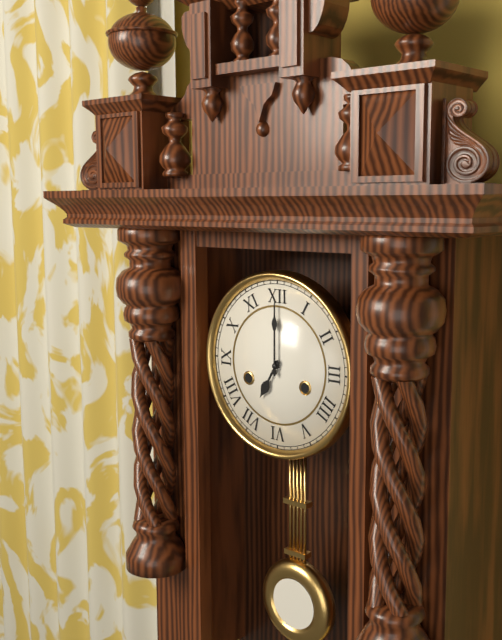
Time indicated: 7:00
